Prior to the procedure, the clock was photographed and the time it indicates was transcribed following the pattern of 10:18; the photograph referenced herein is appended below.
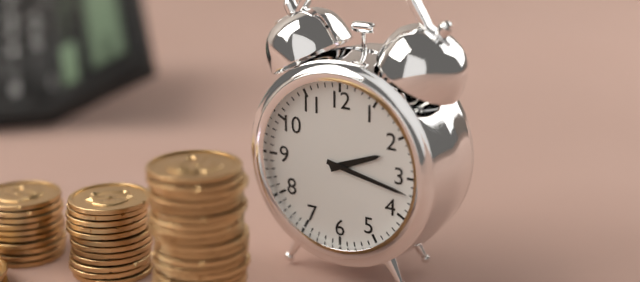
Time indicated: 2:17
